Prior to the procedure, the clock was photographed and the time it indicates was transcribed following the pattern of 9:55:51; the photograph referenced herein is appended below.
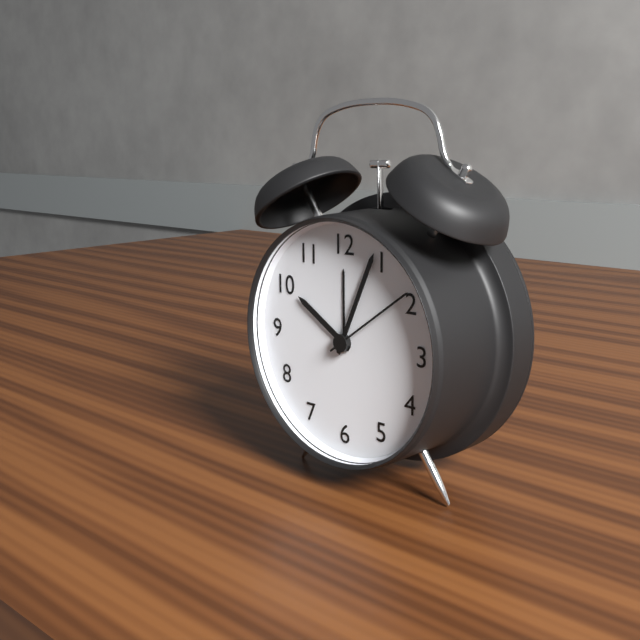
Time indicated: 10:04:09
